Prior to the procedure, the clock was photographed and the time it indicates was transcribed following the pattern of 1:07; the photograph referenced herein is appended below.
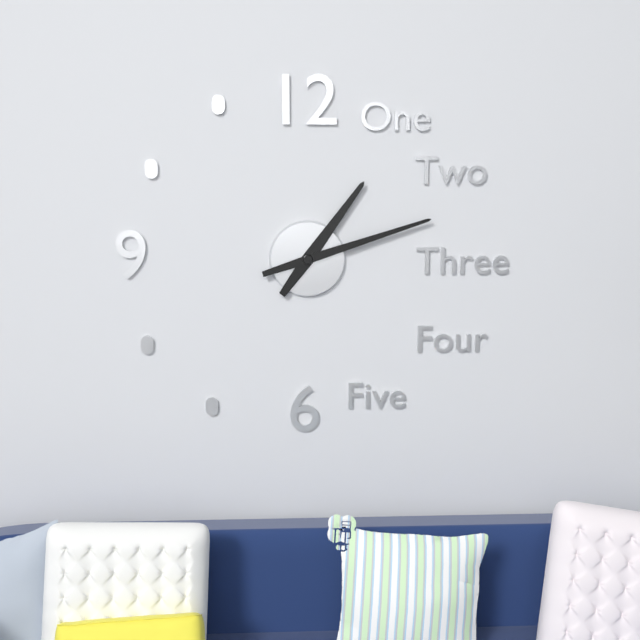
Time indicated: 1:12
